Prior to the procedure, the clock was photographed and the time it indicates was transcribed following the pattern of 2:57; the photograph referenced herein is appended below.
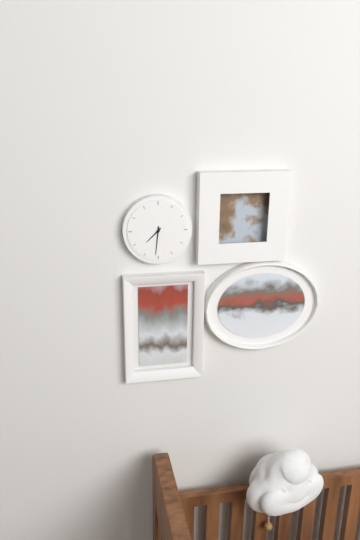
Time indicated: 7:31
